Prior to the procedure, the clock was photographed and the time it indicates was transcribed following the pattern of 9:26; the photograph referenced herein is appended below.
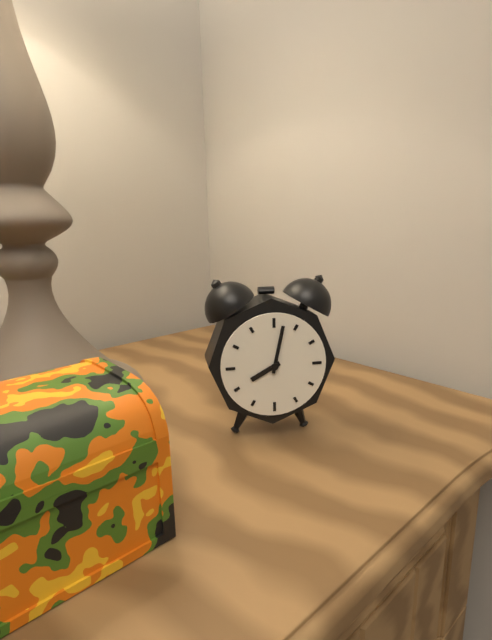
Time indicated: 8:02
